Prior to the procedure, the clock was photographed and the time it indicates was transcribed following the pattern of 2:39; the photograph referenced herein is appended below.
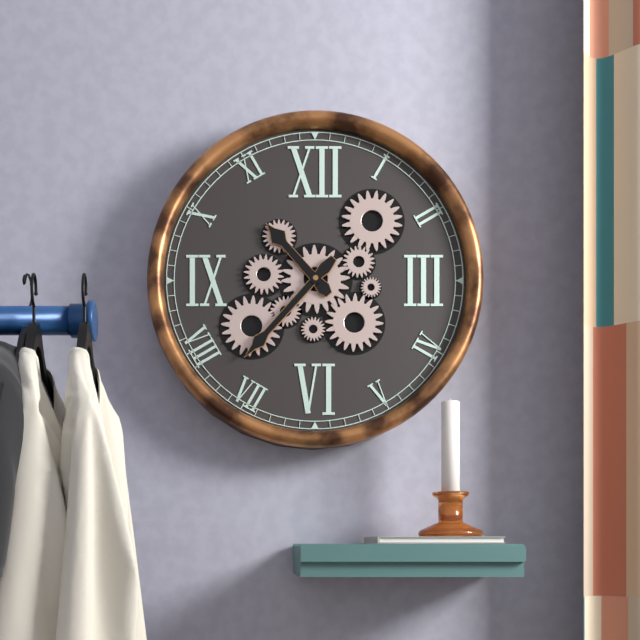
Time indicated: 10:37
